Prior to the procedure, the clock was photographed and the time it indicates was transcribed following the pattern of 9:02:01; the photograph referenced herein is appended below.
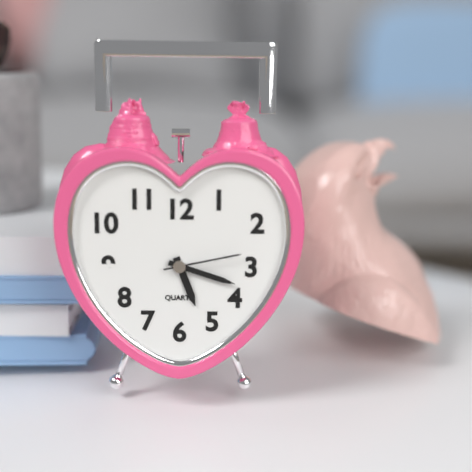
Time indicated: 5:18:13
